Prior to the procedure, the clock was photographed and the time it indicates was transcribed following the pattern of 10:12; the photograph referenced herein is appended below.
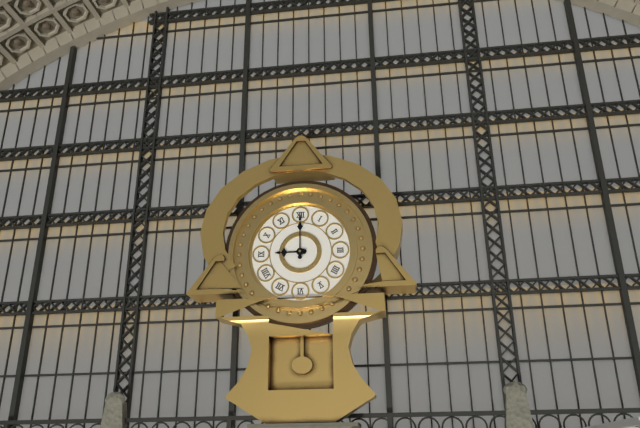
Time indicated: 9:00
